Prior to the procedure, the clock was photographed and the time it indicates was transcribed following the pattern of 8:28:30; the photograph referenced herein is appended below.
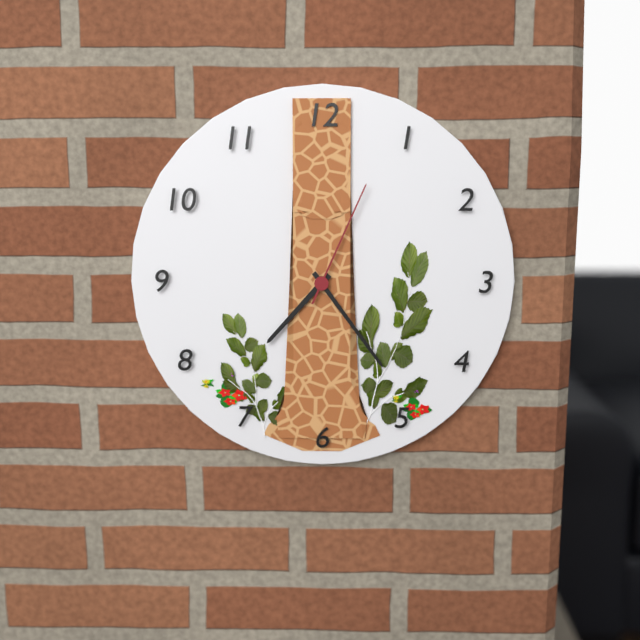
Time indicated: 7:24:04
